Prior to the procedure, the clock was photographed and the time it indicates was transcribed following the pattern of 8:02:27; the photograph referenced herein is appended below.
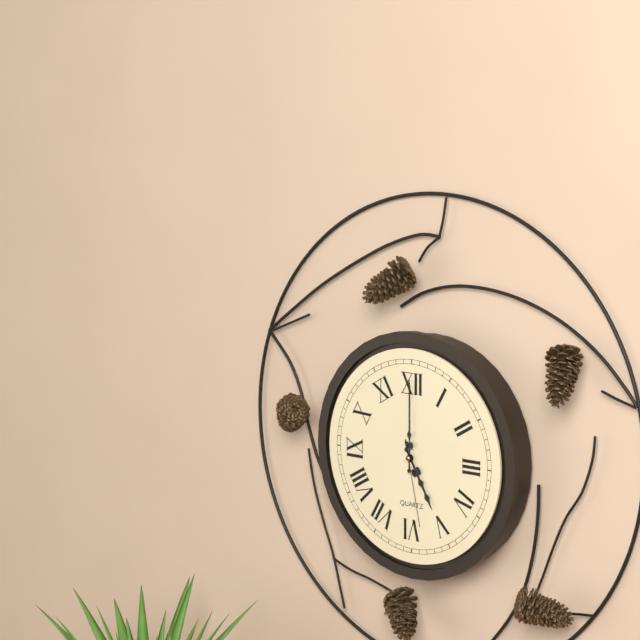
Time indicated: 5:00:28
